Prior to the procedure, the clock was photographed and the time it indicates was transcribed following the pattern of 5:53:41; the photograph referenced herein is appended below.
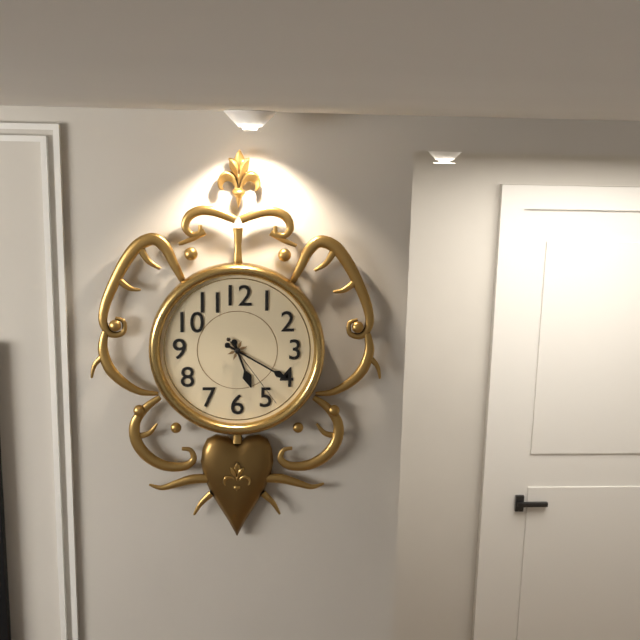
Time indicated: 5:20:24
